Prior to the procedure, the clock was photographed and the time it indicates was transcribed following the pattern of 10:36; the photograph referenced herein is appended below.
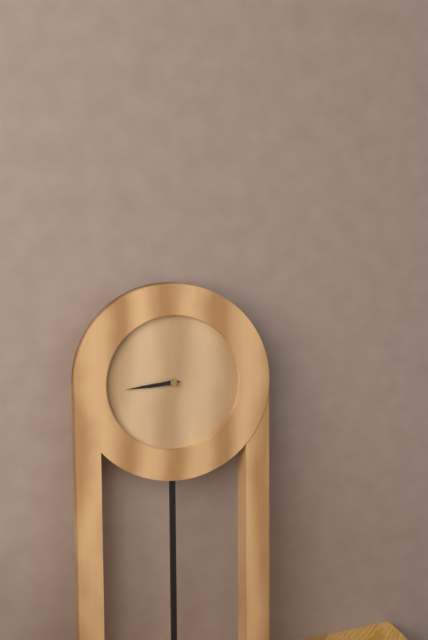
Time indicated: 8:44
